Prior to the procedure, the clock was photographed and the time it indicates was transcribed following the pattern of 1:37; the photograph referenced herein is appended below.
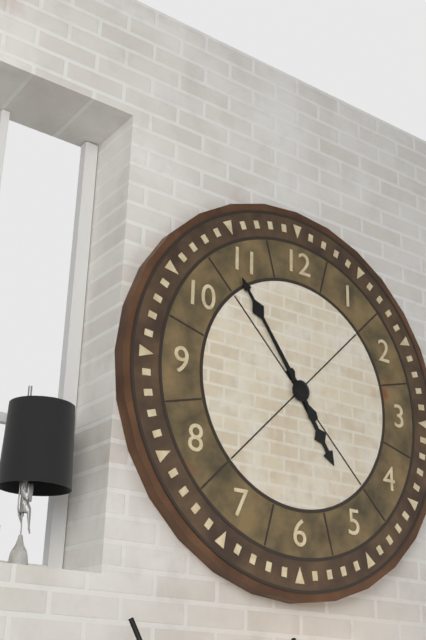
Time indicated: 4:54
